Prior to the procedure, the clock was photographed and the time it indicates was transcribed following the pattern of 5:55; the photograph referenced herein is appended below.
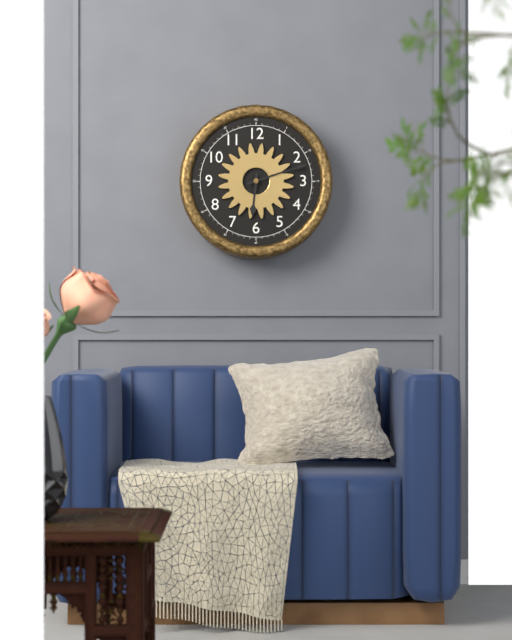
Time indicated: 6:12
